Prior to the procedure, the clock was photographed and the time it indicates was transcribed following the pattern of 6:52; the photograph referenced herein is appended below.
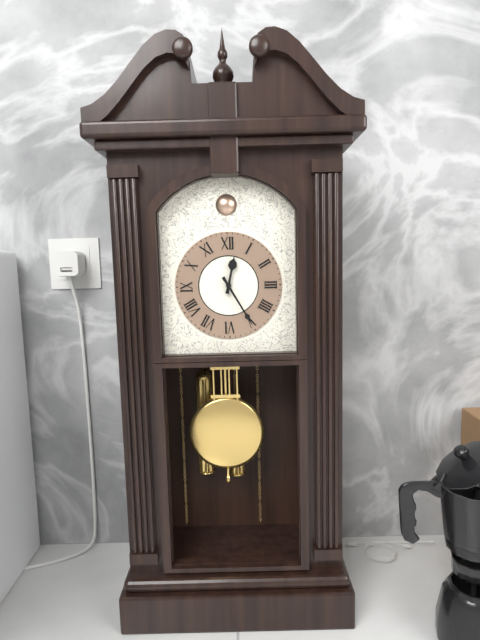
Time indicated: 12:25
